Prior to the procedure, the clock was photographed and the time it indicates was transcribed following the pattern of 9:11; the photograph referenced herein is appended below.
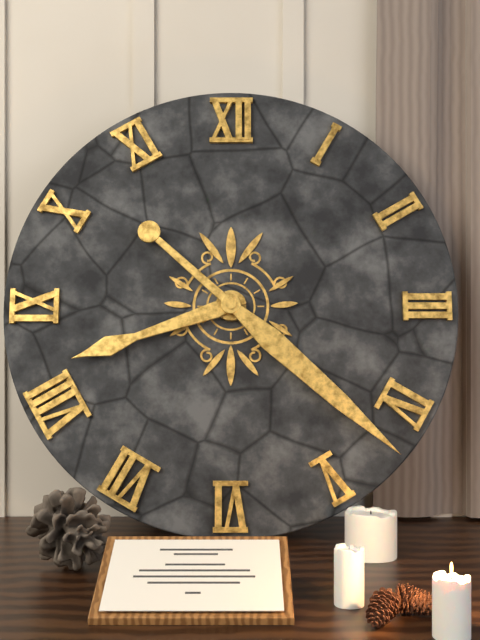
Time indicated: 8:22
